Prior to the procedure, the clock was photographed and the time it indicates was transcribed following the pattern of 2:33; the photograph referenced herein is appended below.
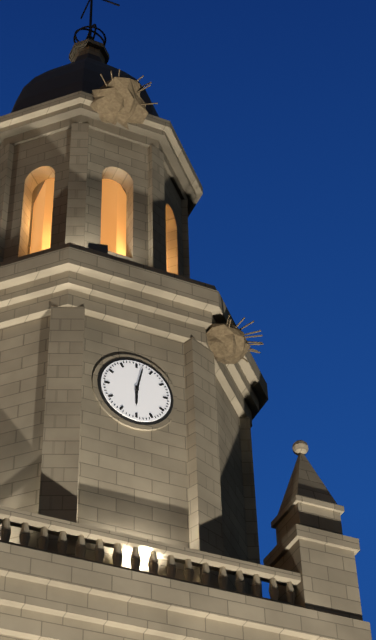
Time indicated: 6:02
